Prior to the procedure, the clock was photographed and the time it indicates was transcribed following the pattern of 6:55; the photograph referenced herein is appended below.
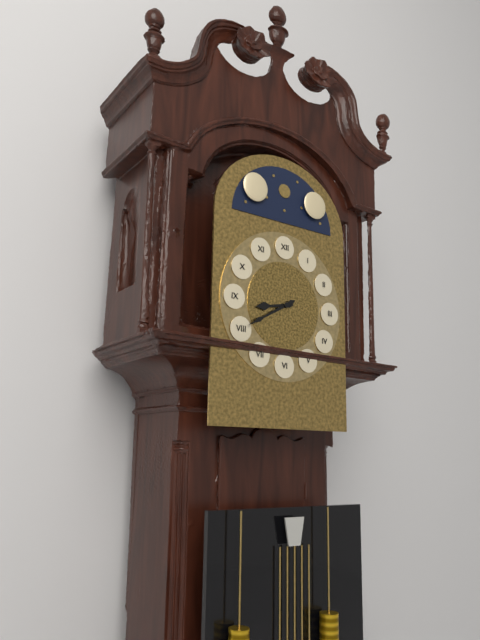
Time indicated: 8:40
